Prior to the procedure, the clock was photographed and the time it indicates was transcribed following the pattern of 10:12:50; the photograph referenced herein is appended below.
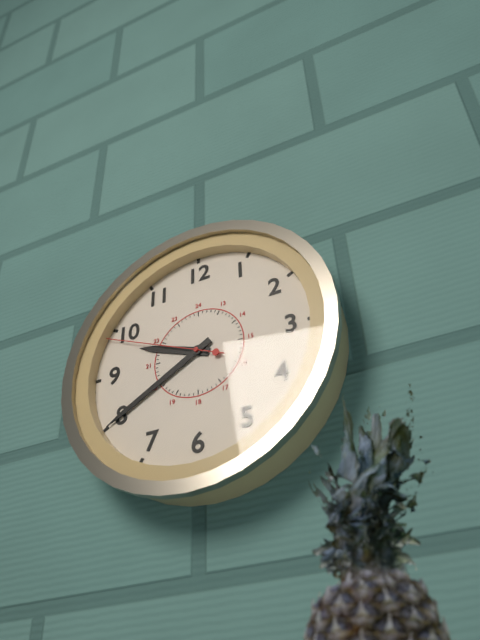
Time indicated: 9:40:49
